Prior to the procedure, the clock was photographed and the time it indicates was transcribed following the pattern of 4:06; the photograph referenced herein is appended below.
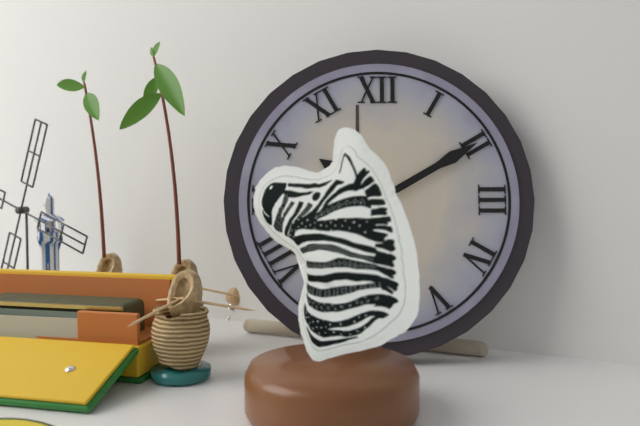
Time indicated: 10:10
